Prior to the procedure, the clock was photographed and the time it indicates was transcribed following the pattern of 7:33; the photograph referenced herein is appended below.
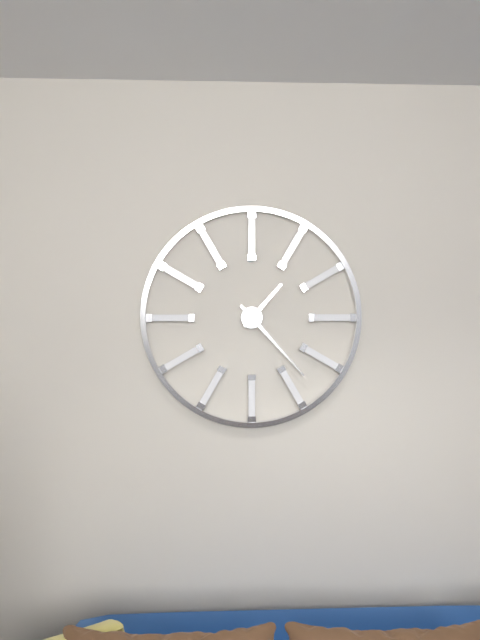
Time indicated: 1:23
